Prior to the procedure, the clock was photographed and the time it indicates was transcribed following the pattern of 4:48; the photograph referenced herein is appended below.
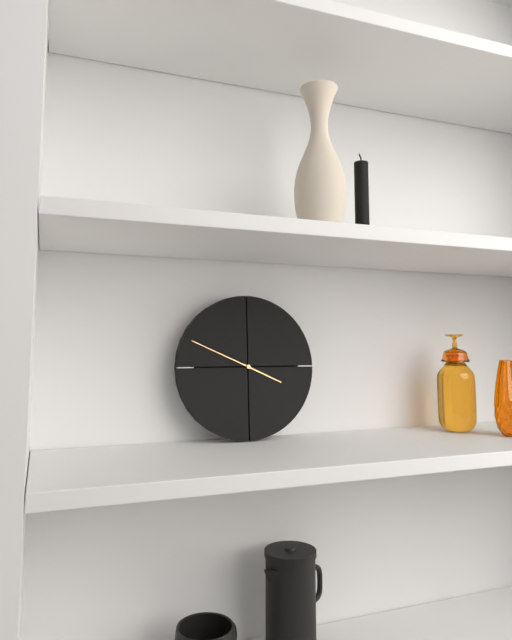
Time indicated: 3:49
